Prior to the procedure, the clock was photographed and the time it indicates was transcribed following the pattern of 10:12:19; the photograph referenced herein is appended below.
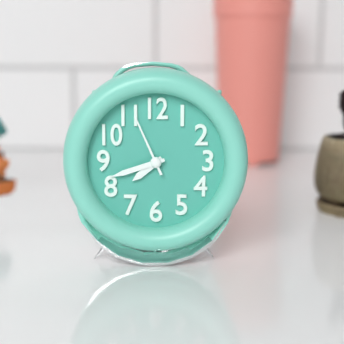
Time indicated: 7:42:56
